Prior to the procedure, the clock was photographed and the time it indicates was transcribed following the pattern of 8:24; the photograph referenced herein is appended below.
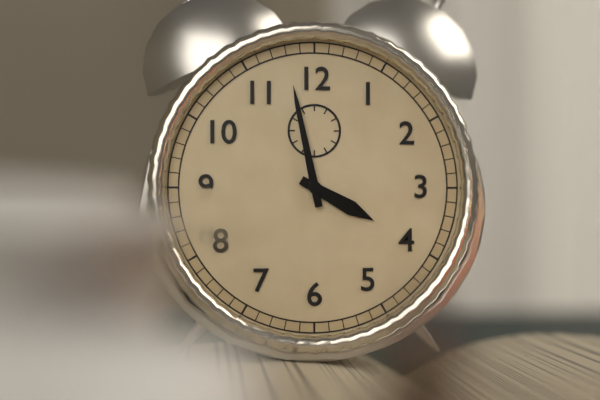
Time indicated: 3:58
